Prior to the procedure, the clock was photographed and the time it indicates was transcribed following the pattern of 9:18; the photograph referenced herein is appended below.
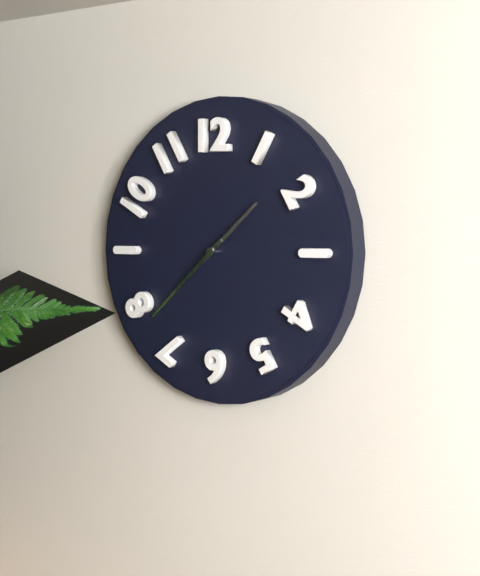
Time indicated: 1:38
